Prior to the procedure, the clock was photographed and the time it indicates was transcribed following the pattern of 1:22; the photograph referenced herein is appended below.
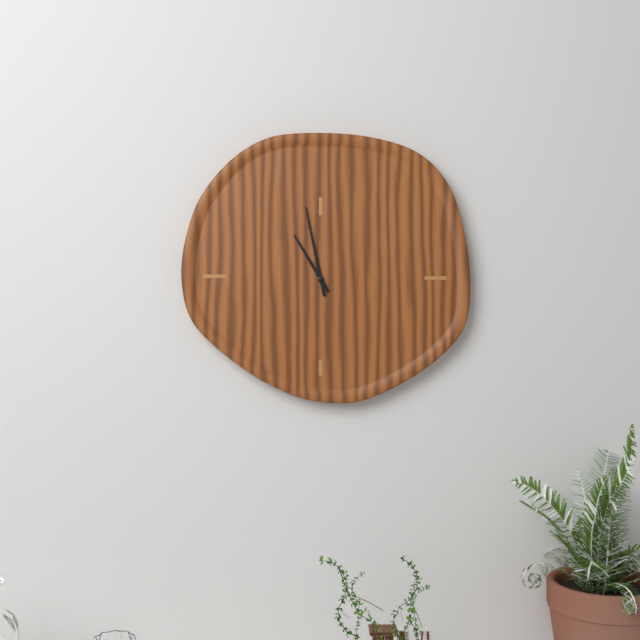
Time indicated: 10:58
